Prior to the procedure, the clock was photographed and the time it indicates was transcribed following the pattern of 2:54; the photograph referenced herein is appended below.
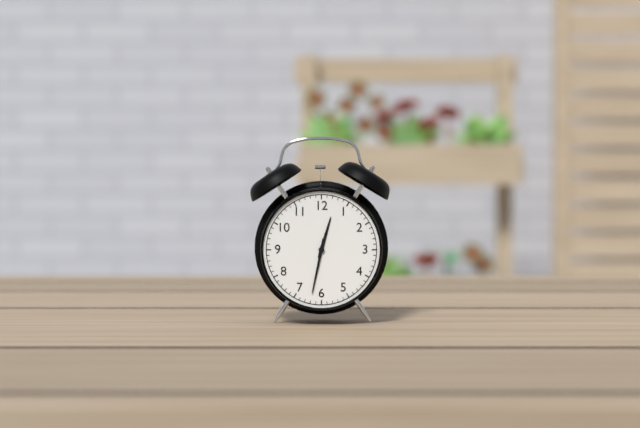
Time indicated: 12:32
